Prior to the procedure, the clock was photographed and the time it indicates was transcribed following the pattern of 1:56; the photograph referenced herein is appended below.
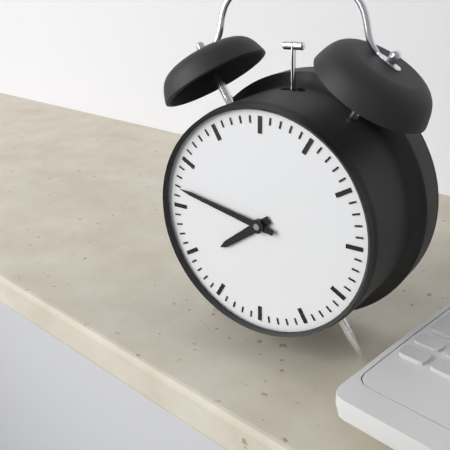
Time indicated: 7:47
